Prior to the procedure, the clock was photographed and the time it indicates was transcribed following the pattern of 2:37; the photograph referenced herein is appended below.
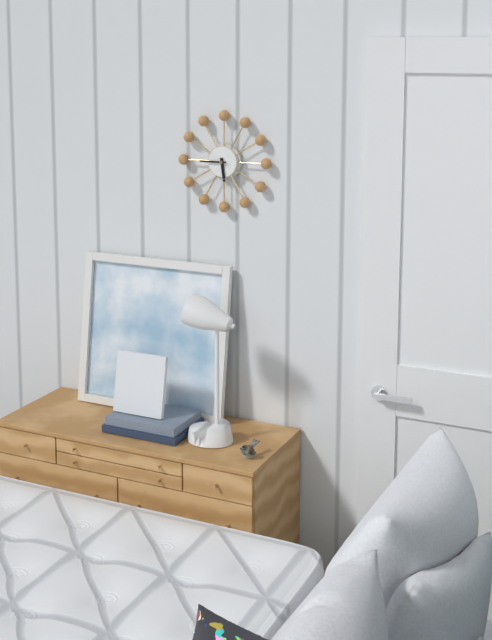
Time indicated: 5:45
